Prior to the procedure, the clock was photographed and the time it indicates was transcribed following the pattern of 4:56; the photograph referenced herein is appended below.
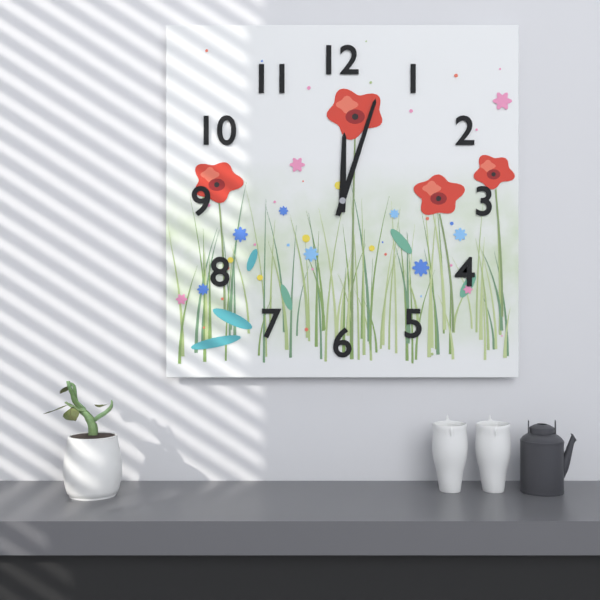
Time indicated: 12:03
